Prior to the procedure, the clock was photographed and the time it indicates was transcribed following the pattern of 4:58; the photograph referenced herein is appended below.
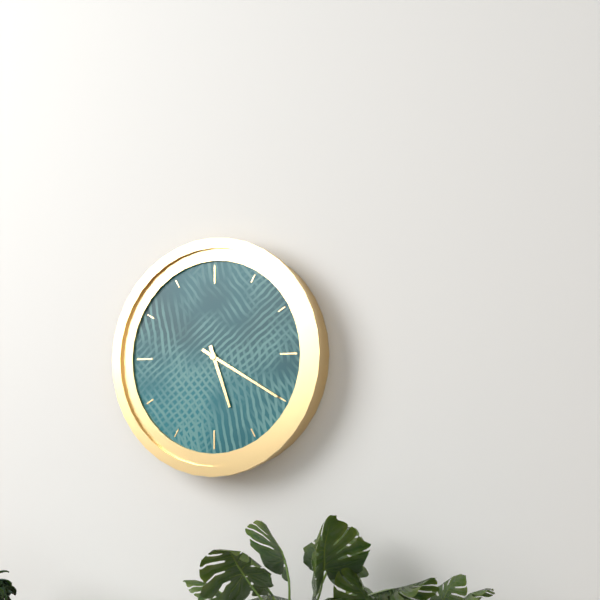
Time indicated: 5:20
